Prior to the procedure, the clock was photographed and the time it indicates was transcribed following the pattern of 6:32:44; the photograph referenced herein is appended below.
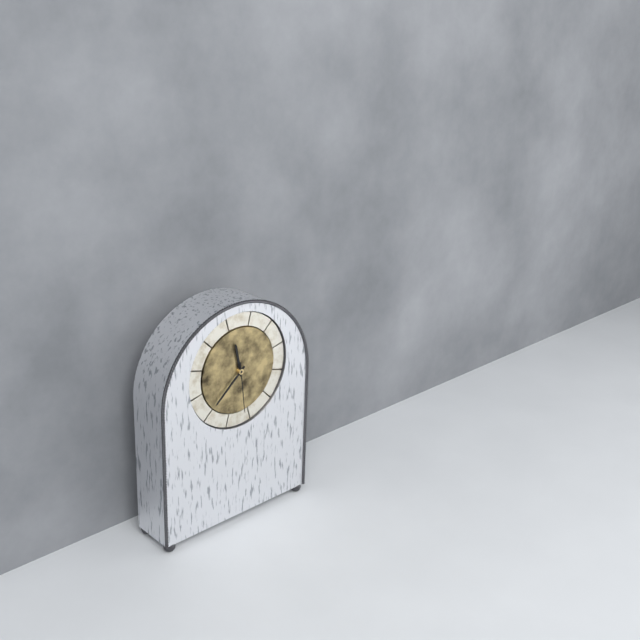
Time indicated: 11:38:29
